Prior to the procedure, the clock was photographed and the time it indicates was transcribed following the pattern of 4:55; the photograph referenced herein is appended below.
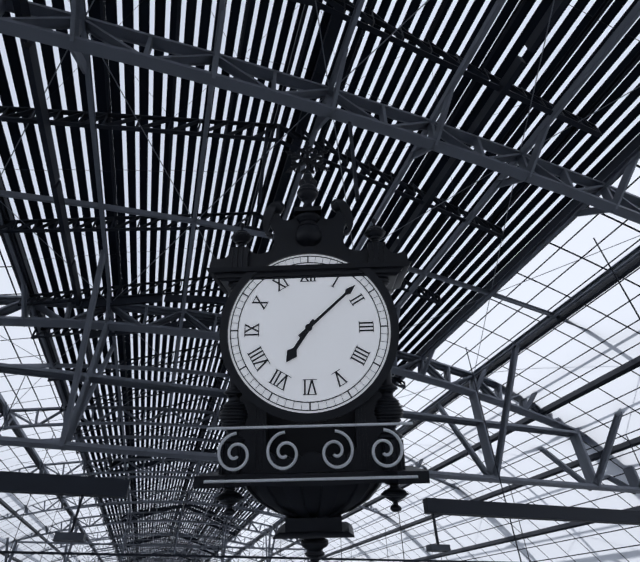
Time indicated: 7:08
